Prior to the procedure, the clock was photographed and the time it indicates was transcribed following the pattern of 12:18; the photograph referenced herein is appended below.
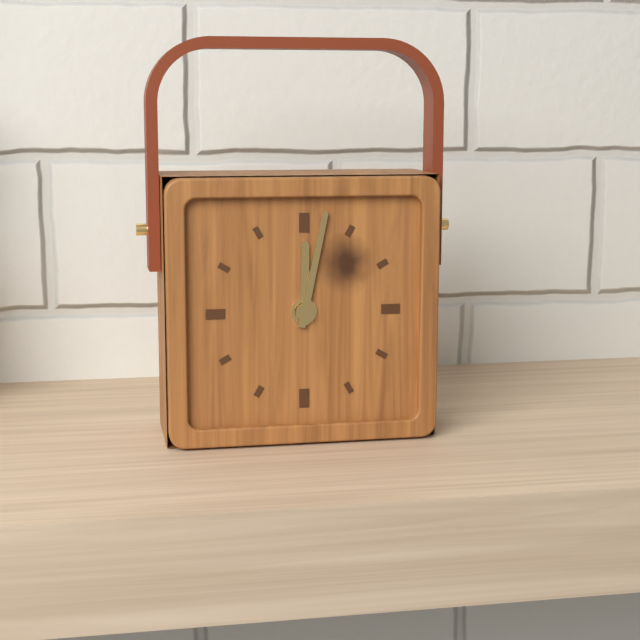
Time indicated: 12:02
